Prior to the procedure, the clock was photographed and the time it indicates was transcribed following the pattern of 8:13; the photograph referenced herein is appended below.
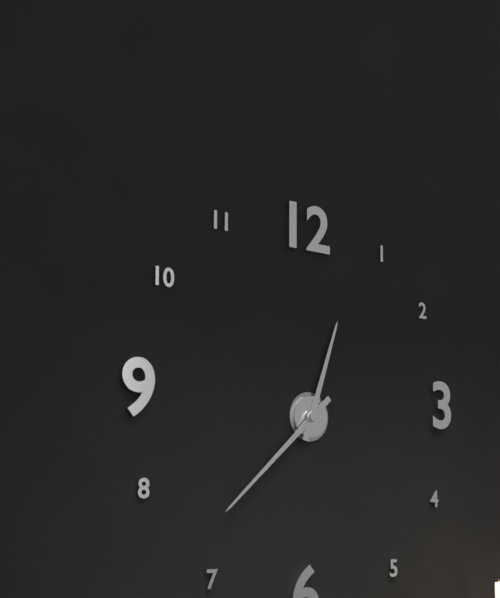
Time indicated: 12:38
